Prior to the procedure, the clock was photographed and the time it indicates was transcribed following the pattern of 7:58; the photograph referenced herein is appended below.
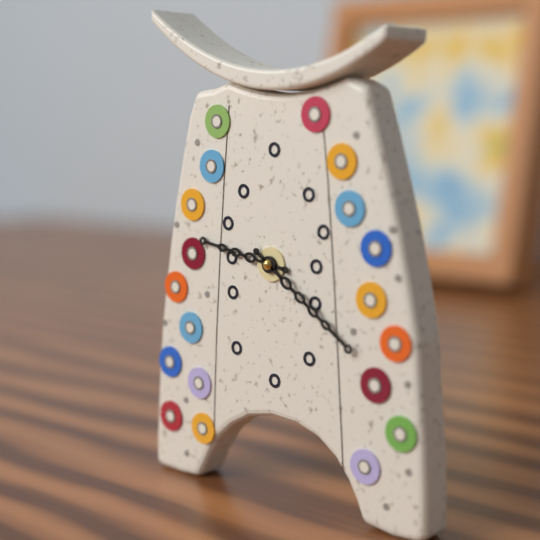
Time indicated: 9:21
